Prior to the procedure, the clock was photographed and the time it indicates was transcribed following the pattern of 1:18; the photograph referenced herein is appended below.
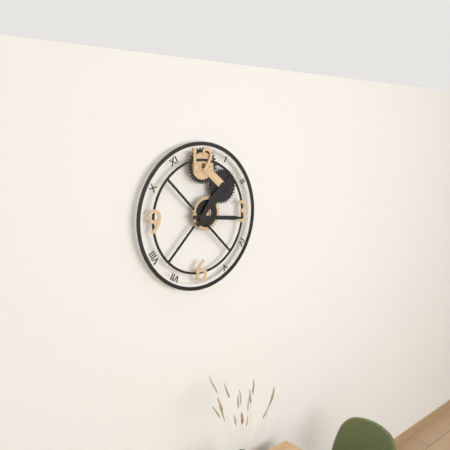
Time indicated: 1:16
